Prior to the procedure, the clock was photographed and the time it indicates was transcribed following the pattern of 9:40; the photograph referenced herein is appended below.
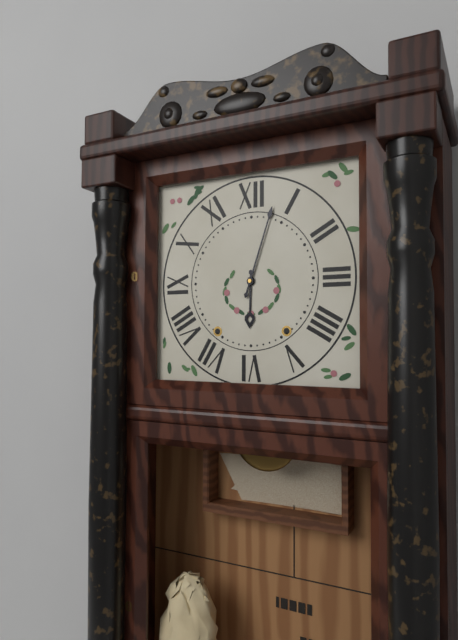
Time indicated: 6:03
